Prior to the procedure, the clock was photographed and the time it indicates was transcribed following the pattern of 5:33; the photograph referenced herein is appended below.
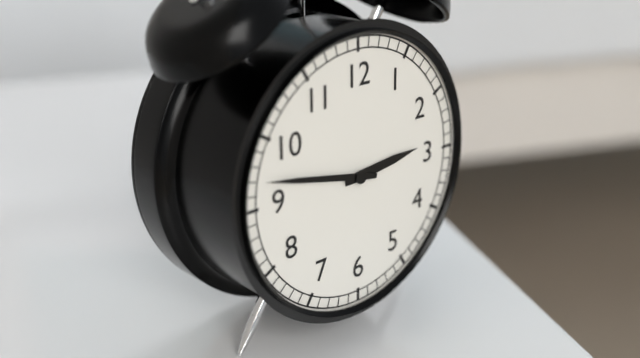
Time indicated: 2:47
